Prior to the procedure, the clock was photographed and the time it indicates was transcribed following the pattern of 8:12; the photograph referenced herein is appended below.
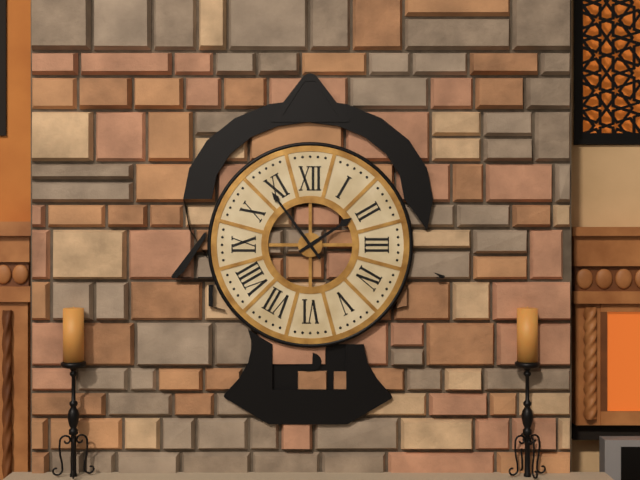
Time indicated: 1:54
